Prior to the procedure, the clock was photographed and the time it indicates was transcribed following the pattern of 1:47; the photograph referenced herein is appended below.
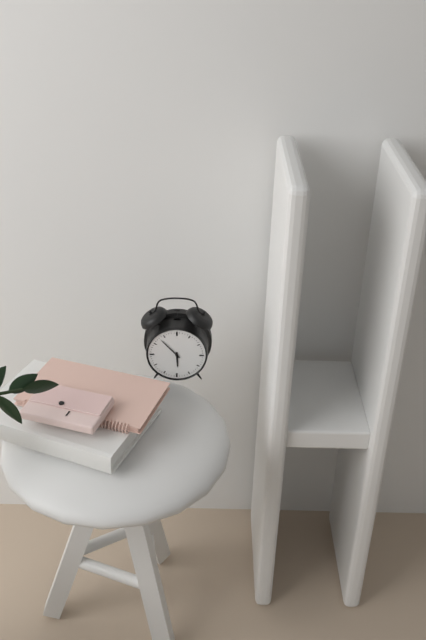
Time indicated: 5:53
